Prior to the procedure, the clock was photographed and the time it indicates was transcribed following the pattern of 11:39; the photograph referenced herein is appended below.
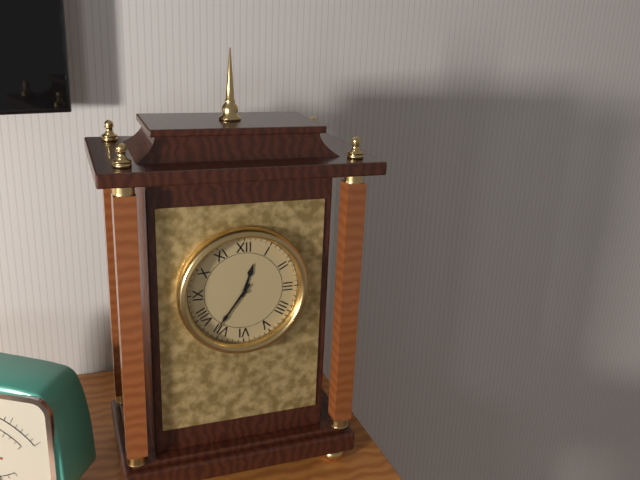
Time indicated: 12:36
